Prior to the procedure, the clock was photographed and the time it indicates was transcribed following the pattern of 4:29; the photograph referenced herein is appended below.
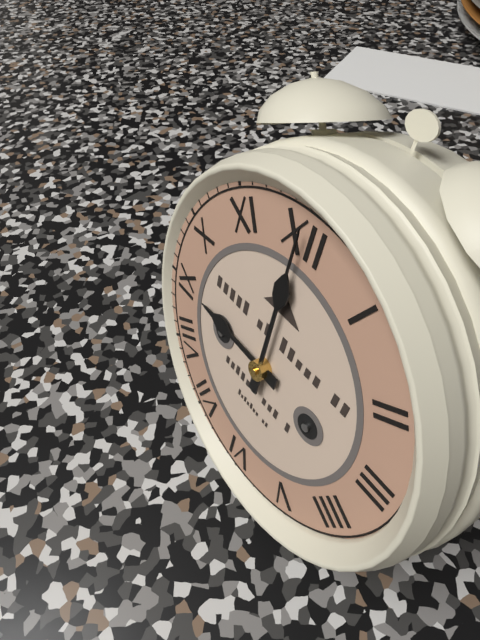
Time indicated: 9:00
